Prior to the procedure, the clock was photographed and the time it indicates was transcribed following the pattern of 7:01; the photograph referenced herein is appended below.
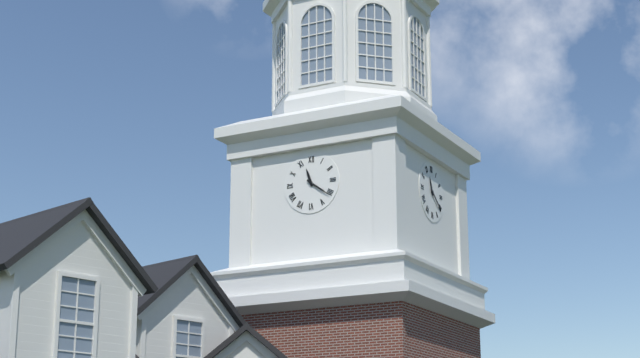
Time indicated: 11:21
